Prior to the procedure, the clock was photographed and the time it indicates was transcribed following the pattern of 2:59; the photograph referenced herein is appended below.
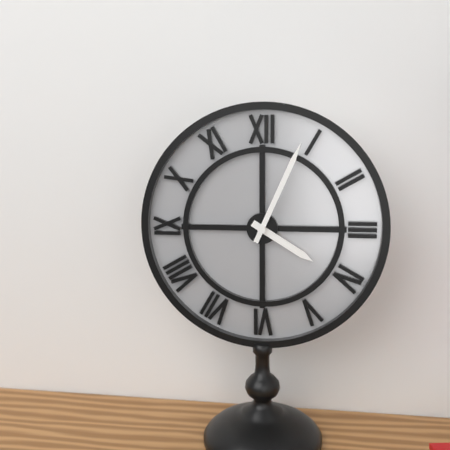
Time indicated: 4:04
